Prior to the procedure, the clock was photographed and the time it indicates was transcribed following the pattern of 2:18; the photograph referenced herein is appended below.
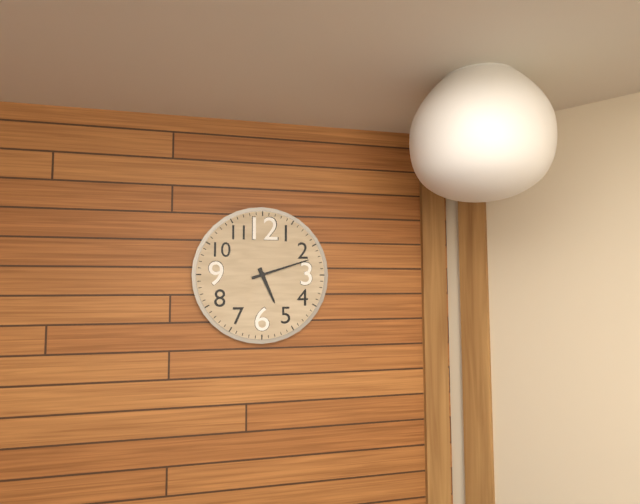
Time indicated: 5:12
